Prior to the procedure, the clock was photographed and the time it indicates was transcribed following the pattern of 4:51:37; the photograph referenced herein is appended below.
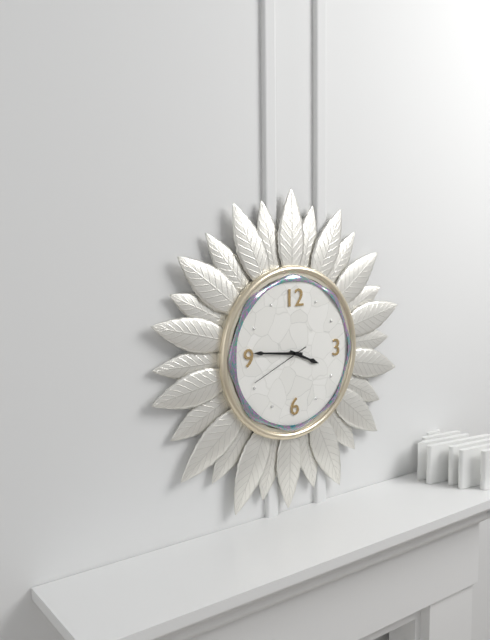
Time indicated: 3:46:41
